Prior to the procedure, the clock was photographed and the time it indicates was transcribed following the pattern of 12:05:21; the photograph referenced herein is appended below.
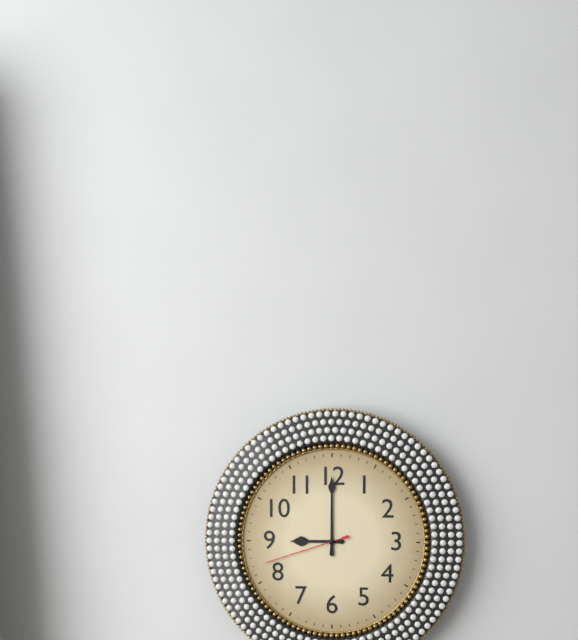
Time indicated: 9:00:42
